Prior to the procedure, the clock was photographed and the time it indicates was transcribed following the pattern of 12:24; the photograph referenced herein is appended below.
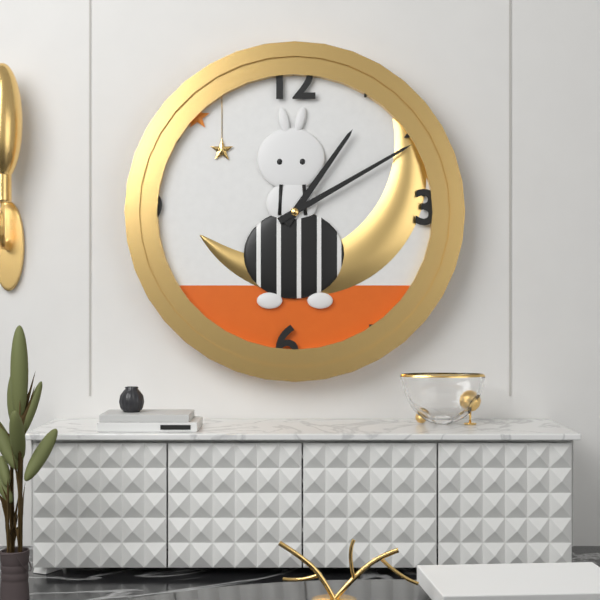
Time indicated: 1:10
